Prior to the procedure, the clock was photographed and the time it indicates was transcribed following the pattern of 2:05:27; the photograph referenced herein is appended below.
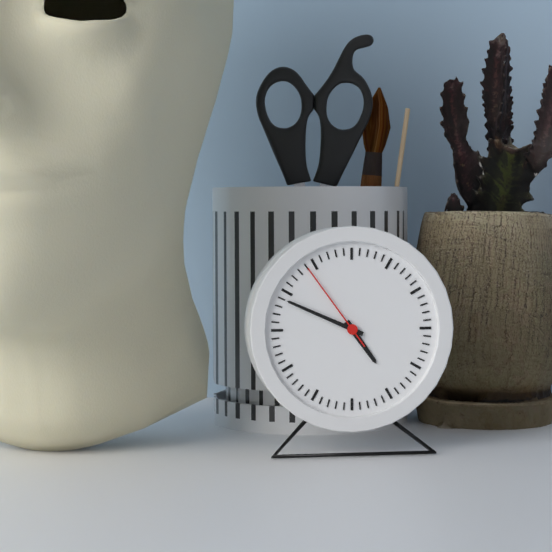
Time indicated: 4:49:54
